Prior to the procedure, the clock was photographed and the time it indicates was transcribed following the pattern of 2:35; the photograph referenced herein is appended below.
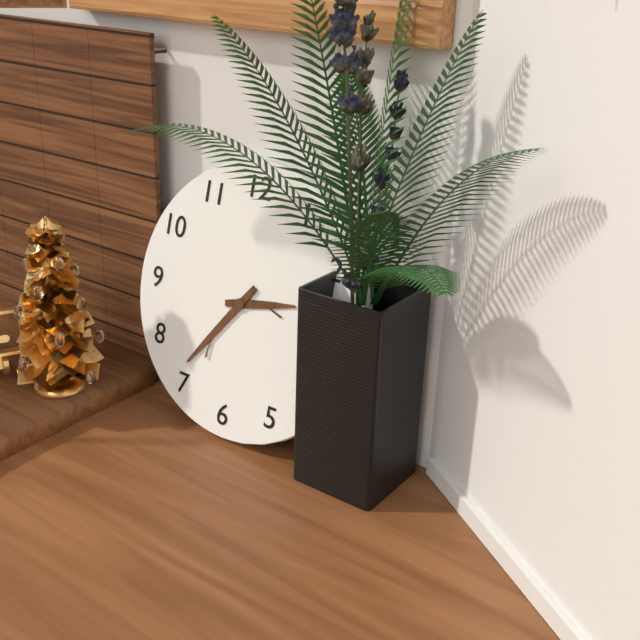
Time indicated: 2:36
